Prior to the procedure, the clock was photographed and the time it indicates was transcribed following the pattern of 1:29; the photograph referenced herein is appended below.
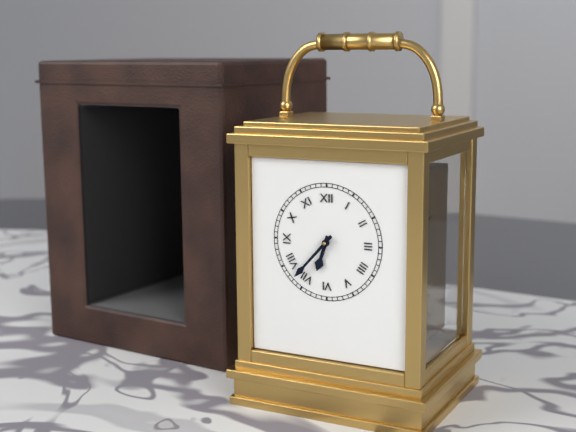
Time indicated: 6:37
